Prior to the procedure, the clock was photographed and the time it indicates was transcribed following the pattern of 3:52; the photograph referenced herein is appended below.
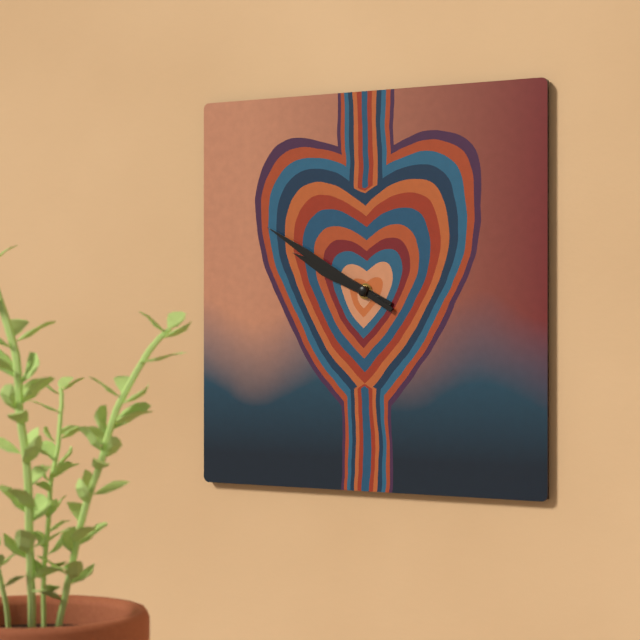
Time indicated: 9:50
